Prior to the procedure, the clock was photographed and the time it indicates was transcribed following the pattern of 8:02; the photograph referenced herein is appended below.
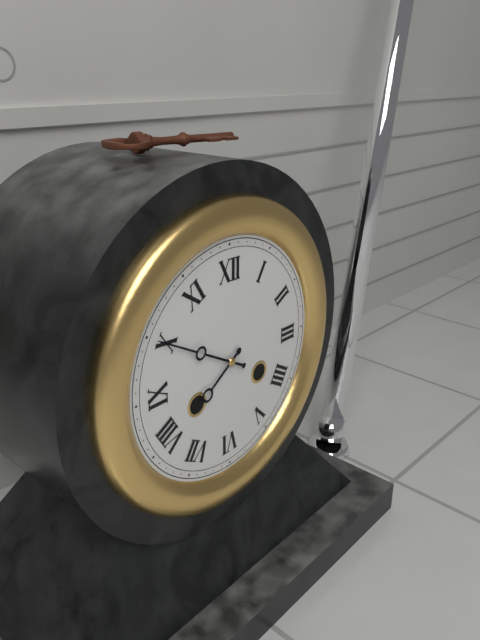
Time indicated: 7:50
